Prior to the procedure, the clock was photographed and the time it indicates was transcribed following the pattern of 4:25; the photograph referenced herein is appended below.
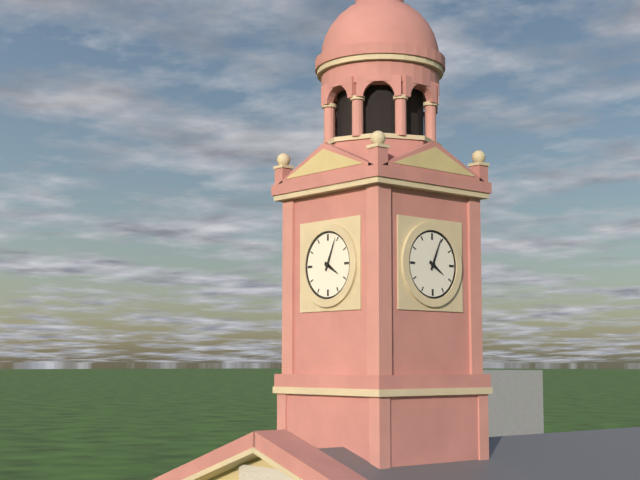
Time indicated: 4:04
